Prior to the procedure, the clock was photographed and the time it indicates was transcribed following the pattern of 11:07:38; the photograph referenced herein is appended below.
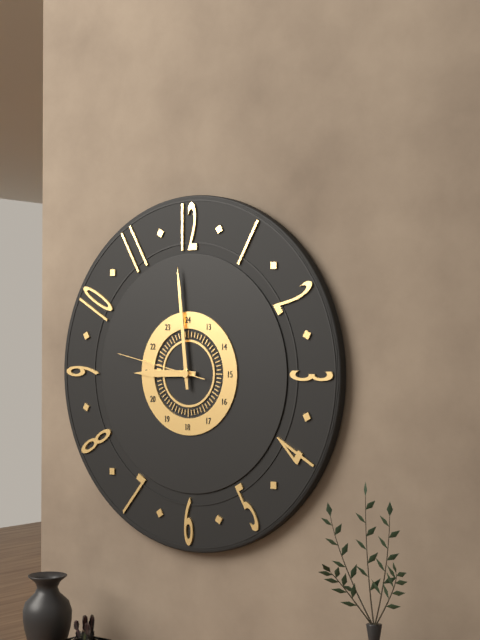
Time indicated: 8:59:47
